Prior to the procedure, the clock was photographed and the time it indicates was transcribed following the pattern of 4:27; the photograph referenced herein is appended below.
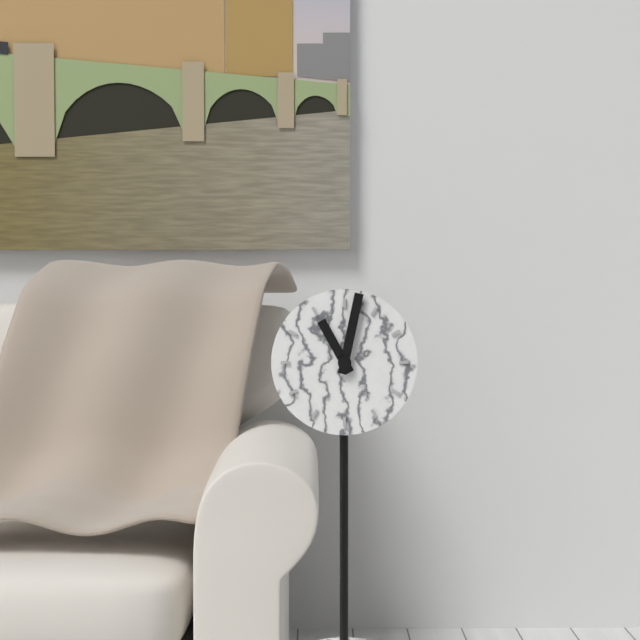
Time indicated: 11:02
